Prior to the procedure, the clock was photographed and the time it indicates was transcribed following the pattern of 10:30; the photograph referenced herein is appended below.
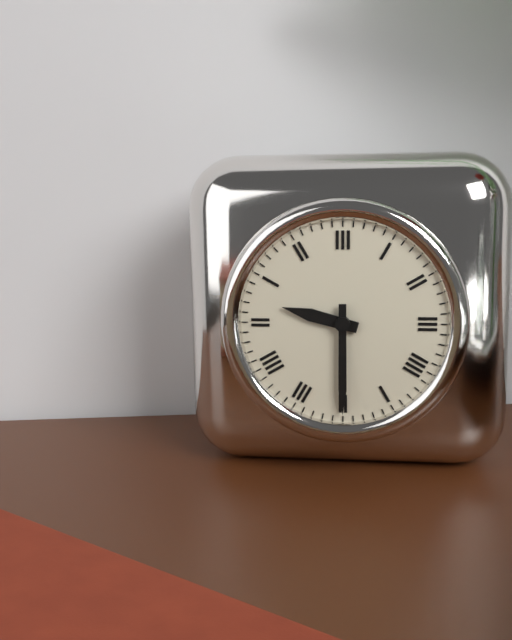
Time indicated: 9:30
